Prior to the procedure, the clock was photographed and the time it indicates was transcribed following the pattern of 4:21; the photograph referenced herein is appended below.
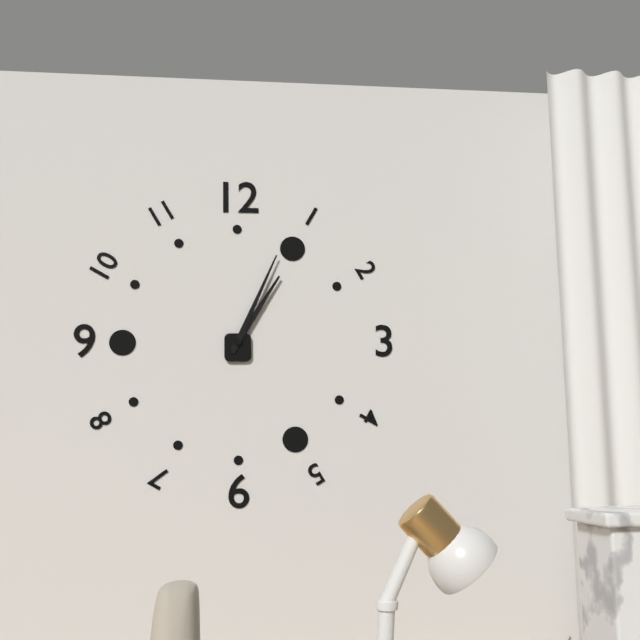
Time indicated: 1:04
